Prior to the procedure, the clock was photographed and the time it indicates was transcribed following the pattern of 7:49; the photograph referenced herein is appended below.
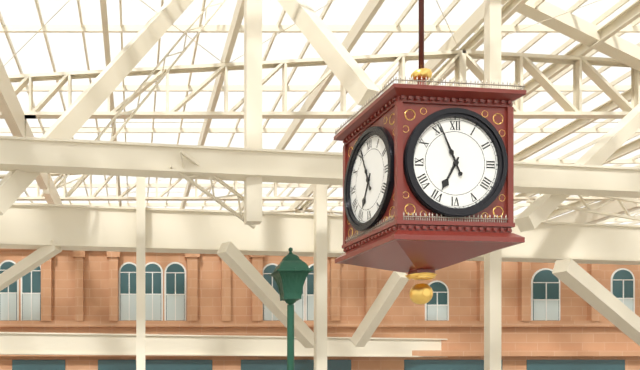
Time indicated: 6:56
